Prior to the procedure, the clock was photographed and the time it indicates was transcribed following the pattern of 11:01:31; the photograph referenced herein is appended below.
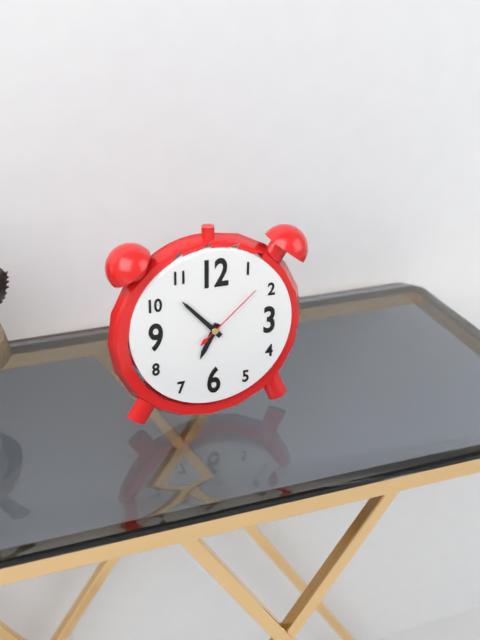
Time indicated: 6:53:08
